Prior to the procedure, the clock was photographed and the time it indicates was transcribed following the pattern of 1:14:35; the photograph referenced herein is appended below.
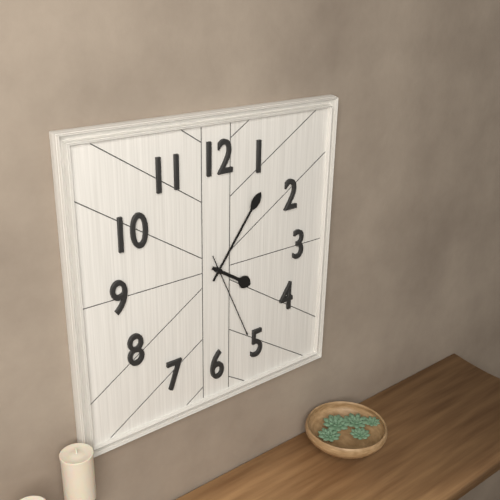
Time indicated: 4:06:26
